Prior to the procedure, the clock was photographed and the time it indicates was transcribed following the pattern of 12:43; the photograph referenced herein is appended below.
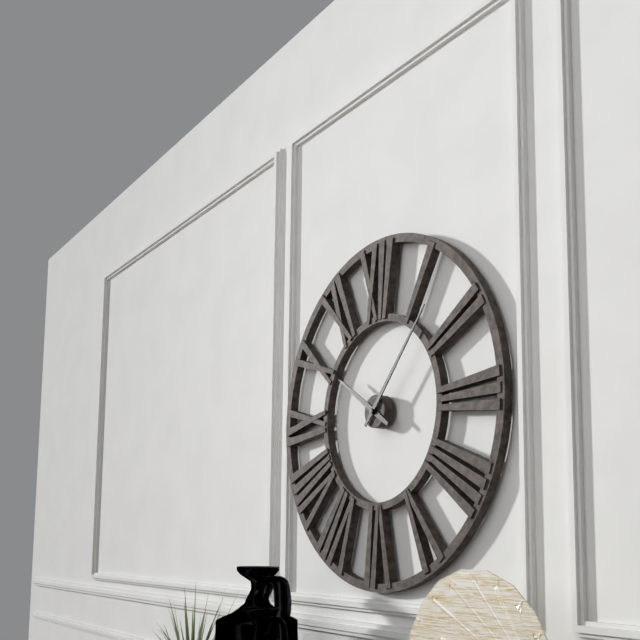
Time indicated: 10:07
